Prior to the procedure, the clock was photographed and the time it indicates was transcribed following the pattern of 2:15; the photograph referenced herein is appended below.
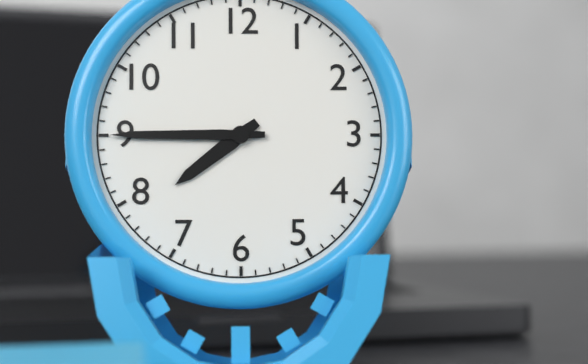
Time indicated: 7:45
